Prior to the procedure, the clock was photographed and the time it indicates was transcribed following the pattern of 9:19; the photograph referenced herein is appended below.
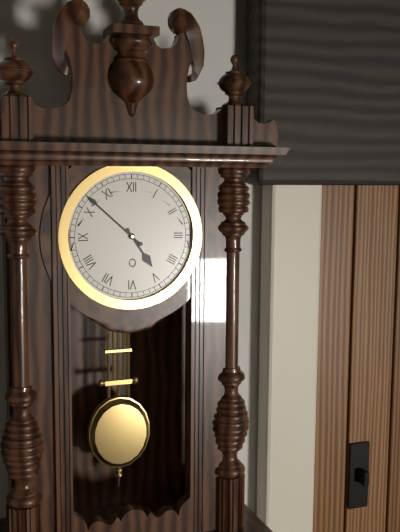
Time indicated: 4:52
